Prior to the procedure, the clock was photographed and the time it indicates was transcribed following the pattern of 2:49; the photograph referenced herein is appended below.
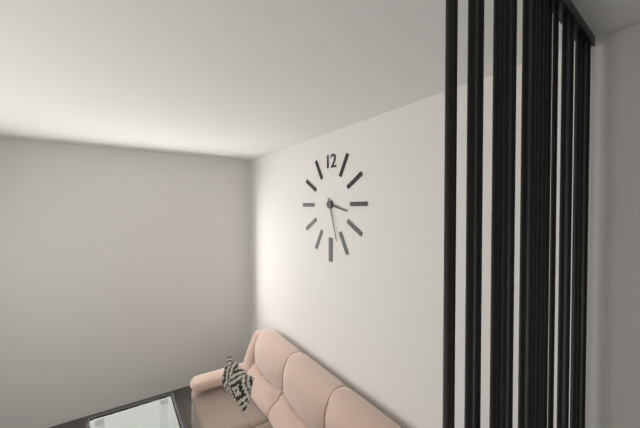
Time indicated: 3:27
